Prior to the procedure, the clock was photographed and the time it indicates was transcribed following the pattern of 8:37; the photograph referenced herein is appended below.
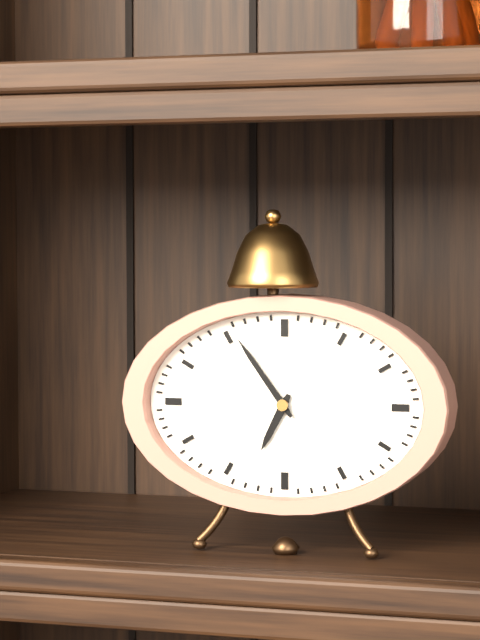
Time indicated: 6:54
